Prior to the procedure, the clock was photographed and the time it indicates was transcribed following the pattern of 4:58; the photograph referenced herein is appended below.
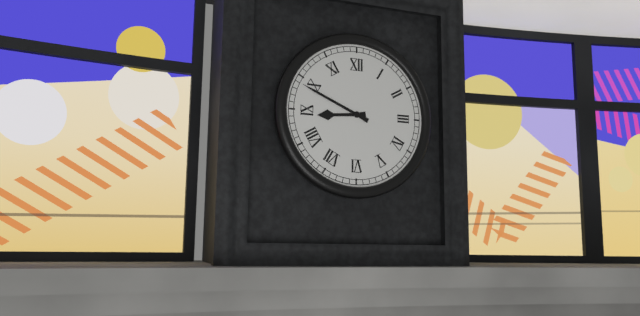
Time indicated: 8:49
